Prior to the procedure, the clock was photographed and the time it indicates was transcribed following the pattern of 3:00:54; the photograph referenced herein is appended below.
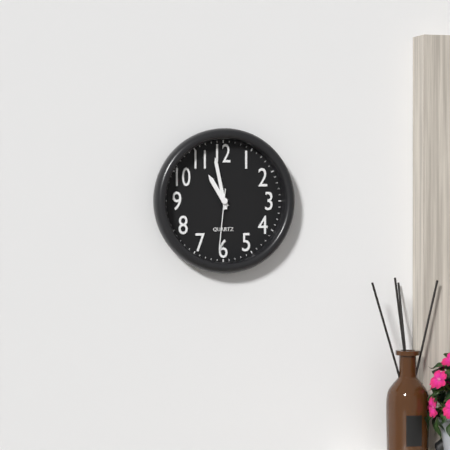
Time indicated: 10:58:31
